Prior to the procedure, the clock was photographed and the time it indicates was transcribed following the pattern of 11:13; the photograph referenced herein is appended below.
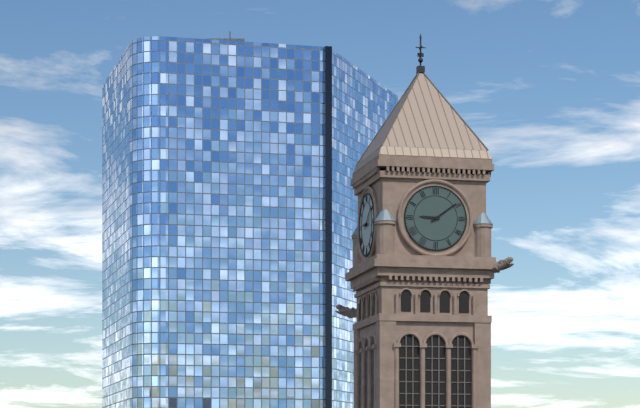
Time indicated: 9:09
